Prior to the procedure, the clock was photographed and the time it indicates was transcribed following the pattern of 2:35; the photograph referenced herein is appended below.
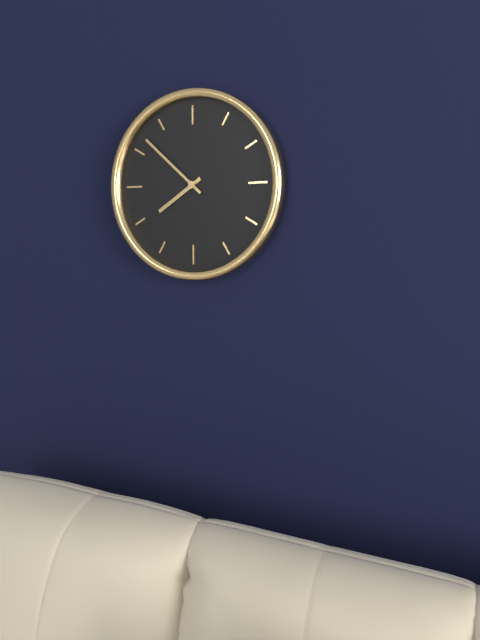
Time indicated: 7:52
